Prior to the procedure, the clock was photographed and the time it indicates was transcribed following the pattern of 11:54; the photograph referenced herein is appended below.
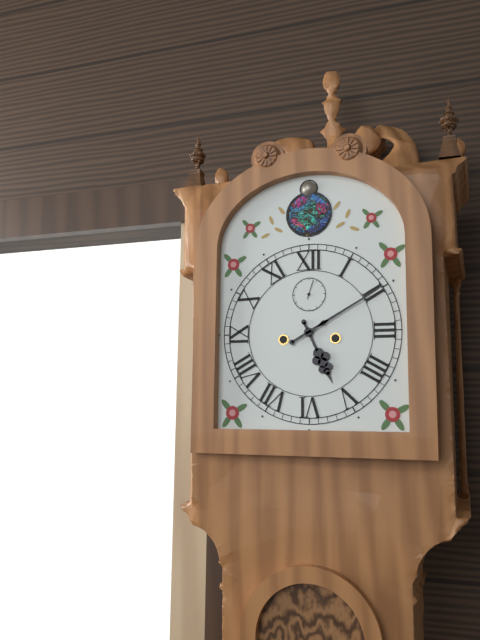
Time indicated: 5:10
